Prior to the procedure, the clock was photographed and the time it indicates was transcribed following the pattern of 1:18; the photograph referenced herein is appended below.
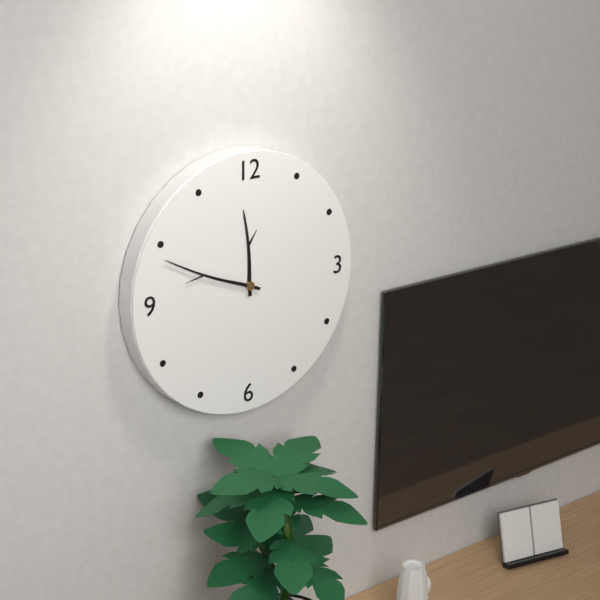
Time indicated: 11:49
